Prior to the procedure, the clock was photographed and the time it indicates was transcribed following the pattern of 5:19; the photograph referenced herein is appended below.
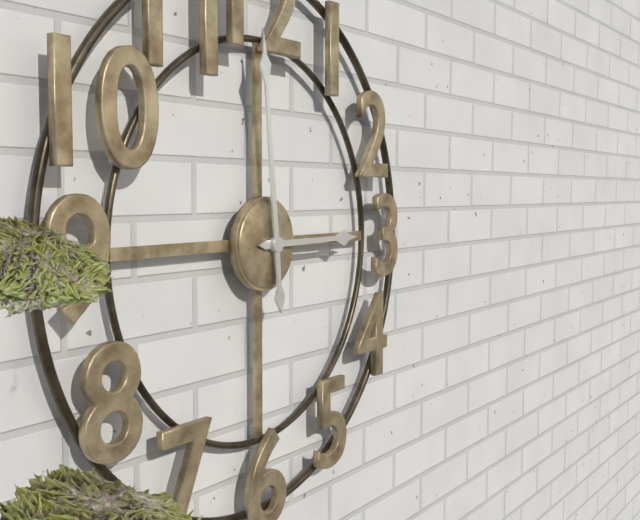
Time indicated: 2:59
